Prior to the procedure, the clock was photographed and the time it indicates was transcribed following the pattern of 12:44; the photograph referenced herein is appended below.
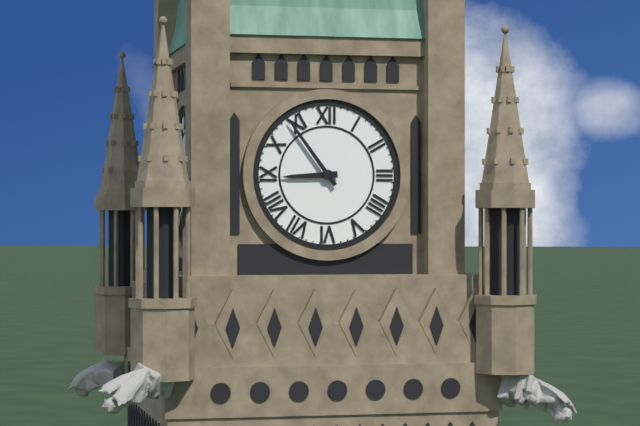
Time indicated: 8:54
